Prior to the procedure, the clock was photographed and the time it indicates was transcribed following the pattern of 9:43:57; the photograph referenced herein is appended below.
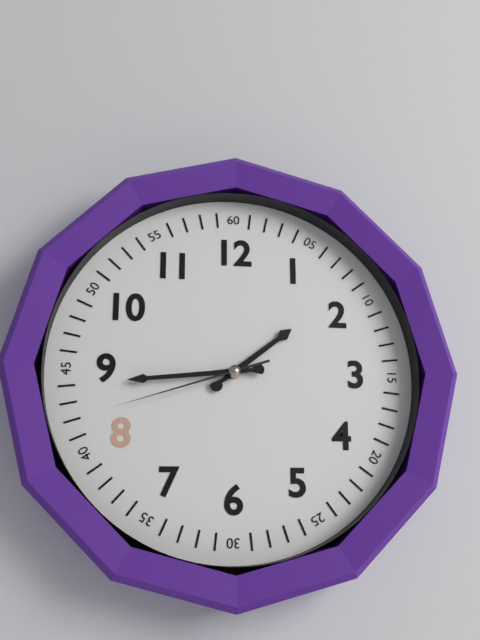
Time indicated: 1:44:42
